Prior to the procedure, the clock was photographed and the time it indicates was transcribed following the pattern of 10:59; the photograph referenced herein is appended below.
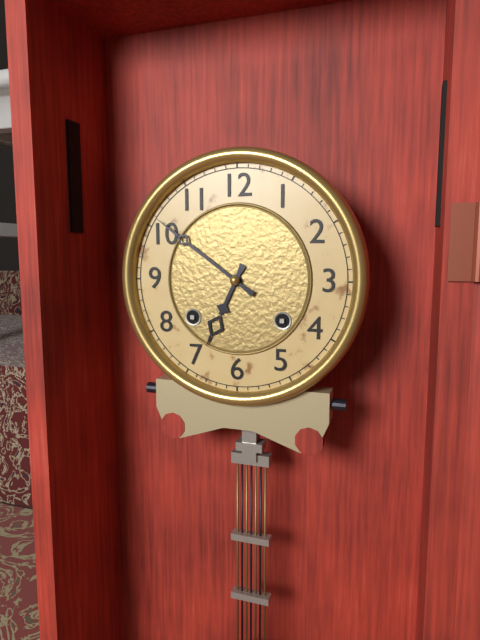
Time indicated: 6:51
